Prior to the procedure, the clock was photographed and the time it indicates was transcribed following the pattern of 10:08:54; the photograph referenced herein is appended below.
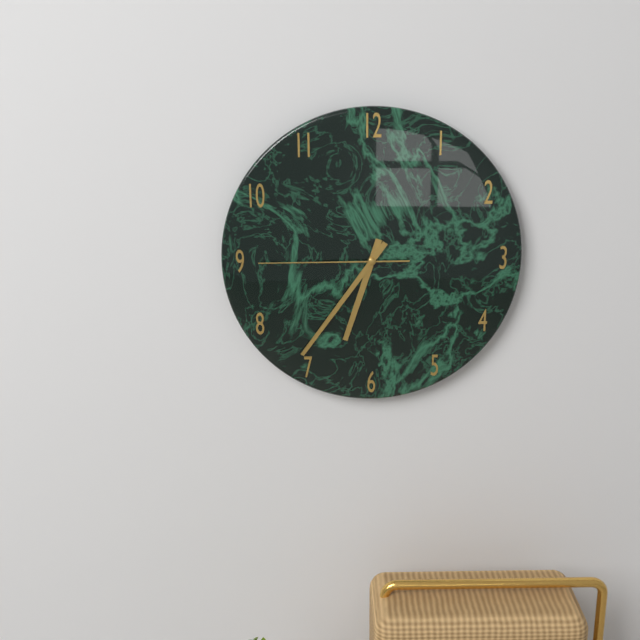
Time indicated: 6:36:45
